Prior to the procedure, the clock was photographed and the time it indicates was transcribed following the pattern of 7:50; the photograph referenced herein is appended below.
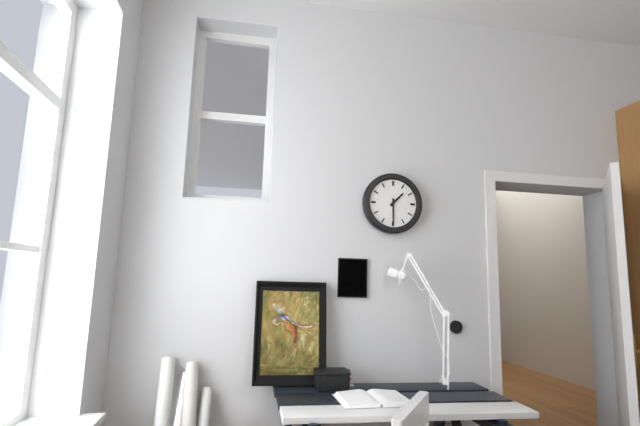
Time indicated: 1:30
